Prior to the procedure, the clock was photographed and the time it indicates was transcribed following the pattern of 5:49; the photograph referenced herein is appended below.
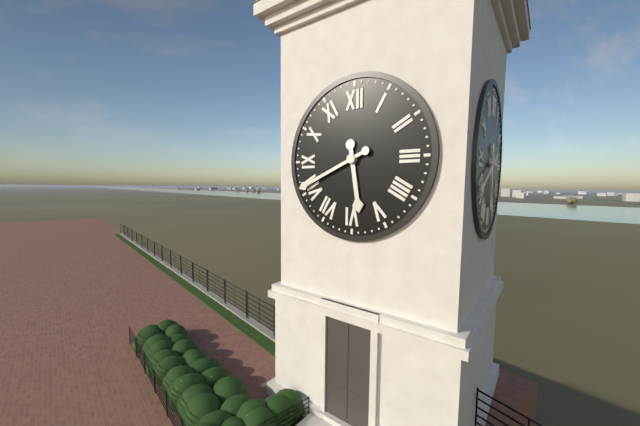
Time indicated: 5:41
